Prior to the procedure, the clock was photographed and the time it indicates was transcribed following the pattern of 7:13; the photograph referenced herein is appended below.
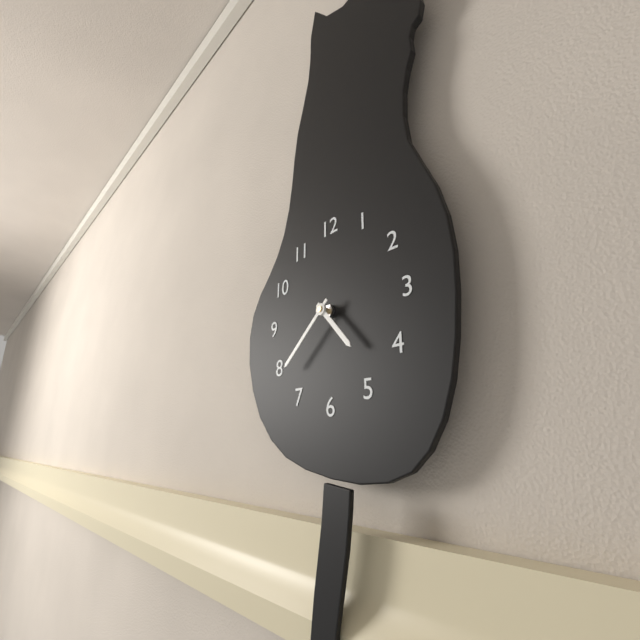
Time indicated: 4:38
